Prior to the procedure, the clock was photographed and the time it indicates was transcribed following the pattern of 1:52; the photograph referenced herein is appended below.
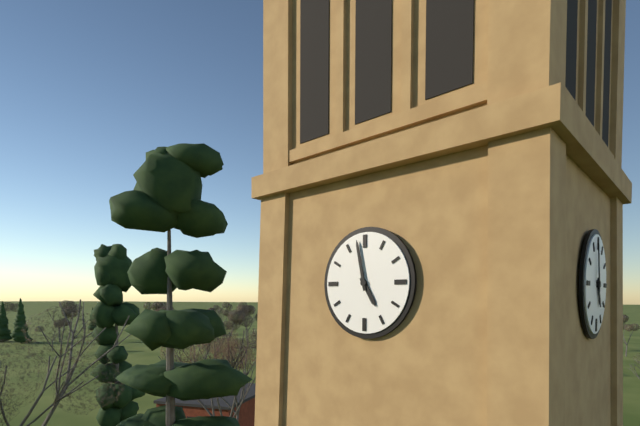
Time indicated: 4:58
